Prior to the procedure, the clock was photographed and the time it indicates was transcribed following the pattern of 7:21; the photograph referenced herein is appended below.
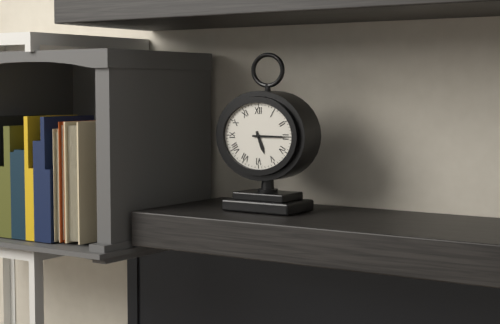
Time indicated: 5:15
